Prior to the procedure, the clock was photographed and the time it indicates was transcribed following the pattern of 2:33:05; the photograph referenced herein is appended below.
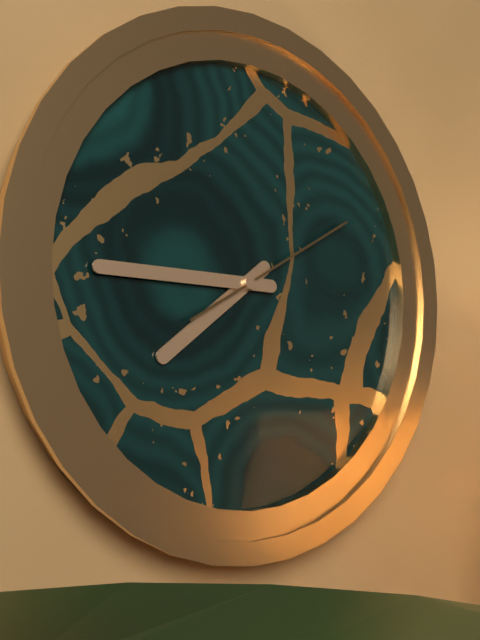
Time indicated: 7:45:10
